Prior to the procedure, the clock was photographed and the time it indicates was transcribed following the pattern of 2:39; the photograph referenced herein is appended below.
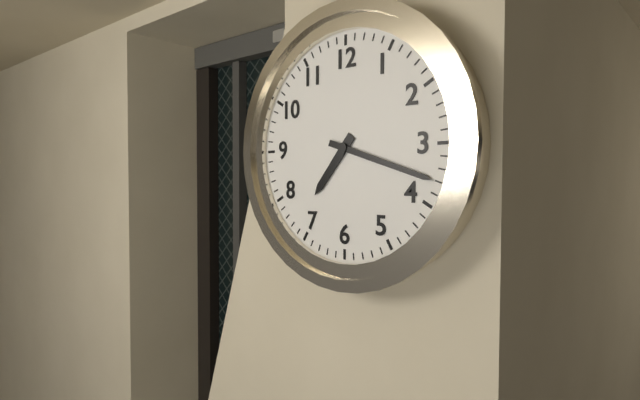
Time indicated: 7:18
